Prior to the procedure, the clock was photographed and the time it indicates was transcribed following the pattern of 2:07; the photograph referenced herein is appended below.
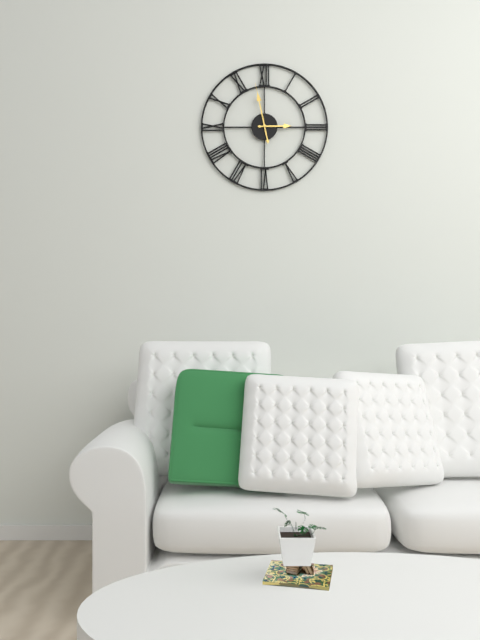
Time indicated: 2:58
